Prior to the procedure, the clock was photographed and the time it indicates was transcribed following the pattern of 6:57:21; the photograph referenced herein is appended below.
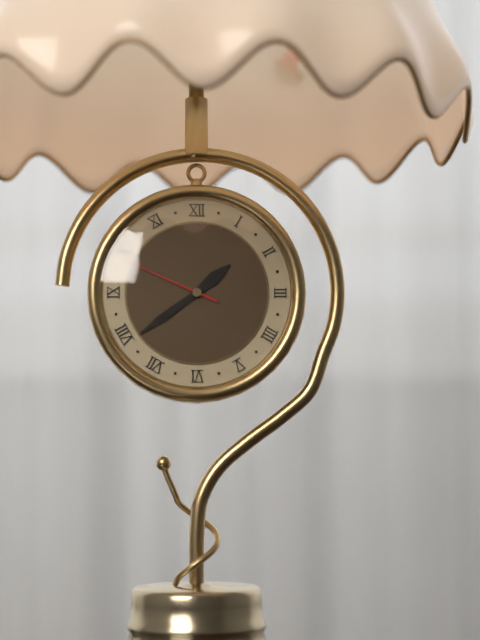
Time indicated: 1:39:49
